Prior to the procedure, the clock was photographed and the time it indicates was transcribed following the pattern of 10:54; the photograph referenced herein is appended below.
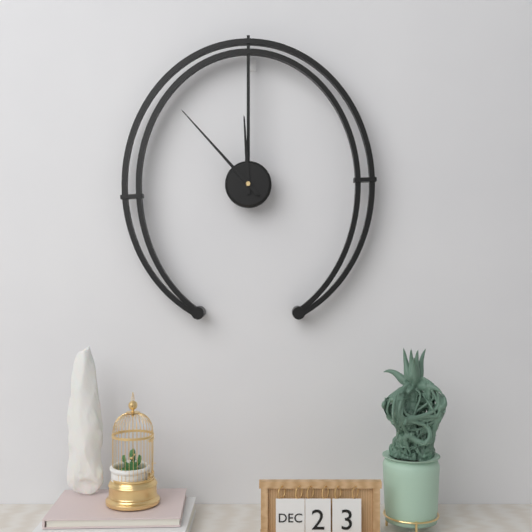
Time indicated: 11:53
